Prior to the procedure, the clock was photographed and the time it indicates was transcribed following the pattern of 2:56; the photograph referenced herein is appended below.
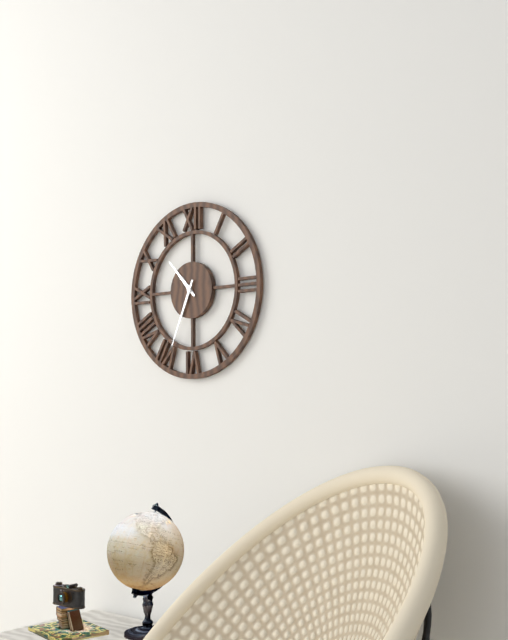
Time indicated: 10:34
